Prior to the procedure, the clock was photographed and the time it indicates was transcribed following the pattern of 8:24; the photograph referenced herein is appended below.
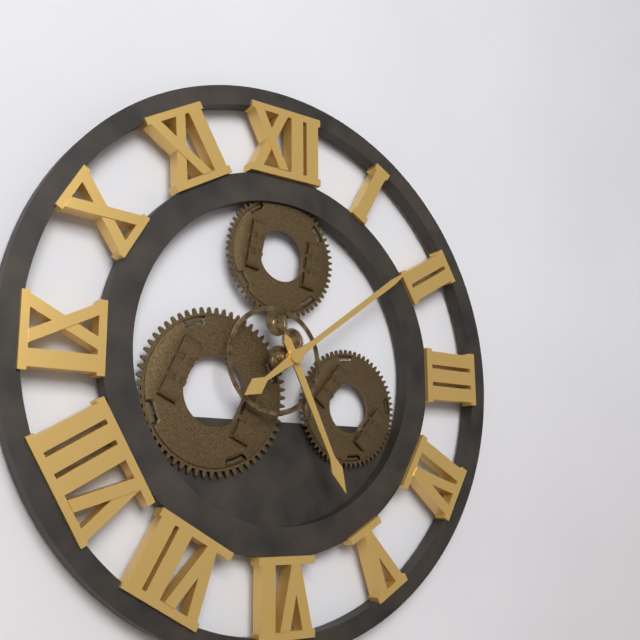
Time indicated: 5:09
